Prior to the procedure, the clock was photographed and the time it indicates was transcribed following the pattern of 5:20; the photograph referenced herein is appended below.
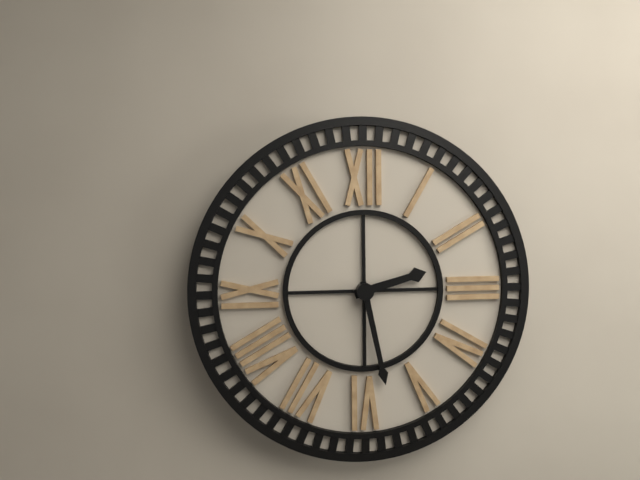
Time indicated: 2:28
